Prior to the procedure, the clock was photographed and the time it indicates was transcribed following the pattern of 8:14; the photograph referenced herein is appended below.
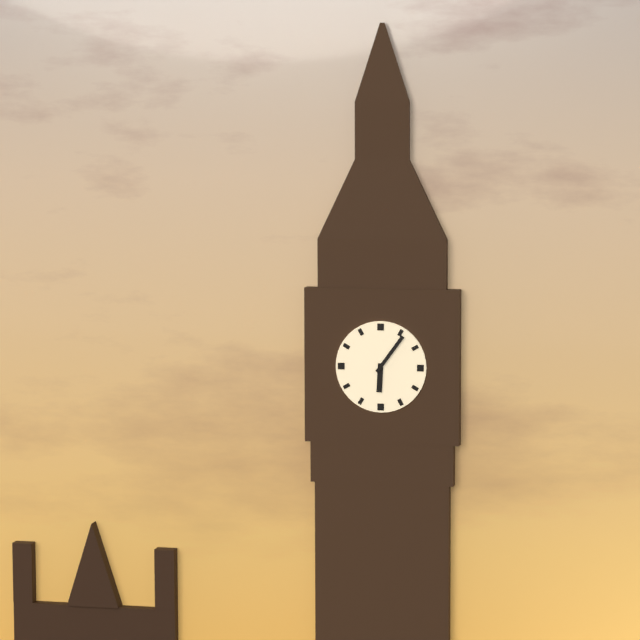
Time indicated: 6:06
